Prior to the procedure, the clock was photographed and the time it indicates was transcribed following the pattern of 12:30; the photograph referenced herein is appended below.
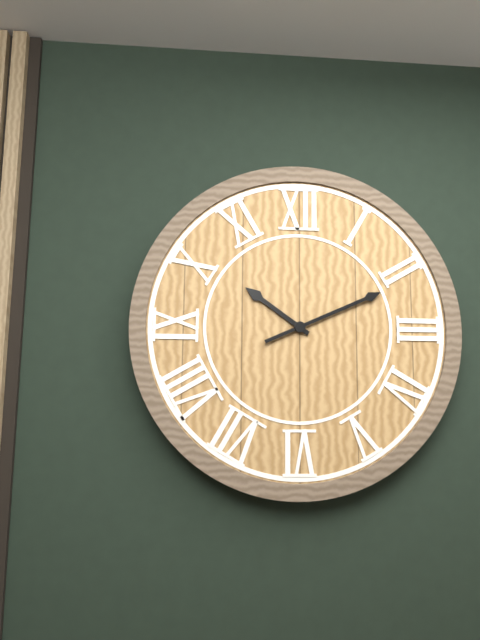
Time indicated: 10:11
